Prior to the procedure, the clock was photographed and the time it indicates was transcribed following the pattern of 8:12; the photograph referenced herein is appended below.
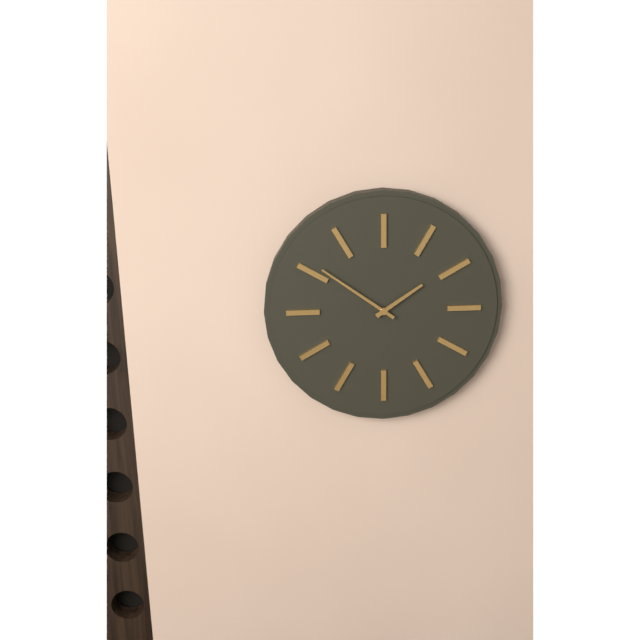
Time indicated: 1:51
